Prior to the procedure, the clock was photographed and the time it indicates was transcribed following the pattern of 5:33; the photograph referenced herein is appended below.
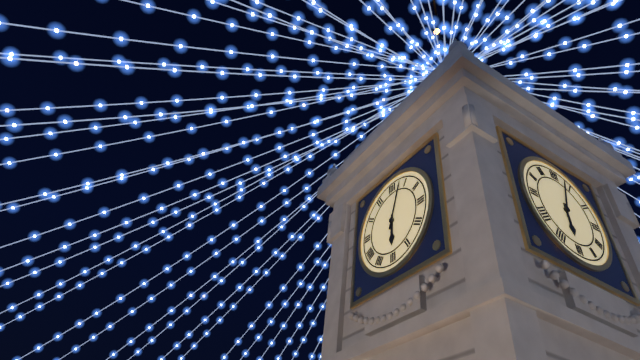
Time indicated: 6:03
